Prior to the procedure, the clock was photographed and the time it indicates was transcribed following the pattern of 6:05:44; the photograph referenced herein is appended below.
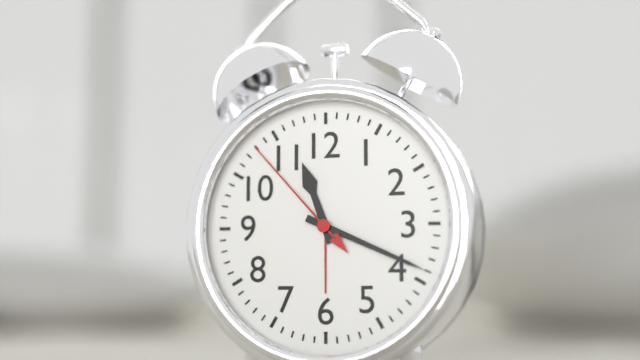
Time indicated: 11:19:53
